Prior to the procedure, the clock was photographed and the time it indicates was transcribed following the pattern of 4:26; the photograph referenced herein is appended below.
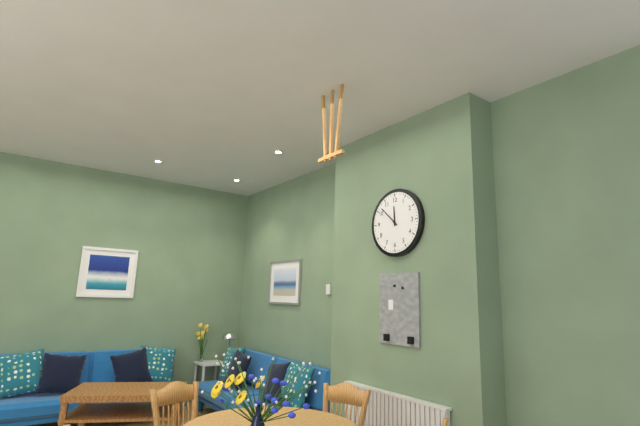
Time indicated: 11:52
